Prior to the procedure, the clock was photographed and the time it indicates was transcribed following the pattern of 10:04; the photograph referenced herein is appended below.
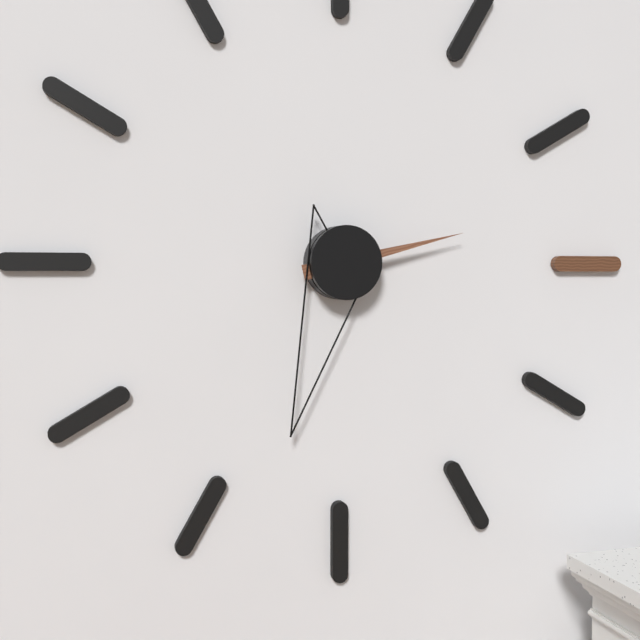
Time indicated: 2:33
